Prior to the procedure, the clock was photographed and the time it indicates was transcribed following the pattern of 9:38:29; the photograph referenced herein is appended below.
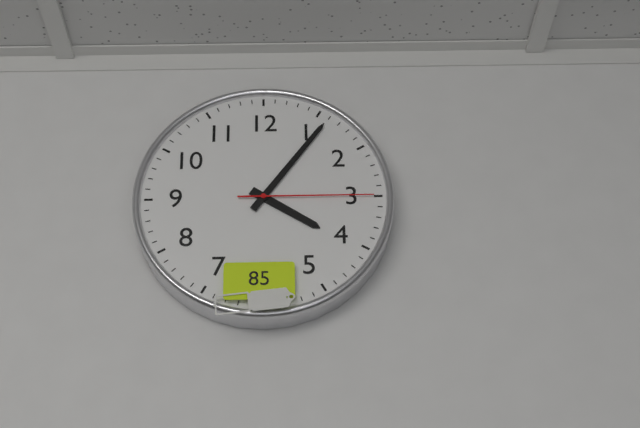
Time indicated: 4:06:15
